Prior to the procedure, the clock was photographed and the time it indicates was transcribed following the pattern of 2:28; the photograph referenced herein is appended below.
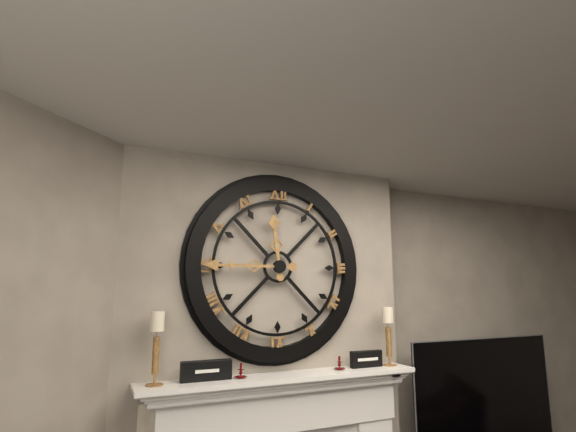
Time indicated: 11:45
